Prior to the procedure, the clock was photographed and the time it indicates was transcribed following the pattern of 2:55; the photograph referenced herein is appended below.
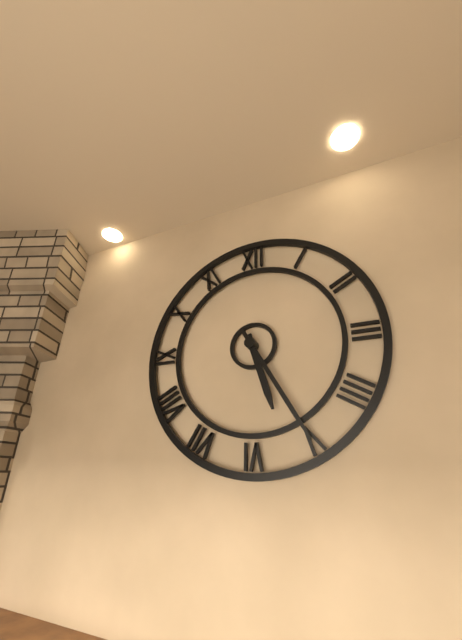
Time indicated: 5:25
